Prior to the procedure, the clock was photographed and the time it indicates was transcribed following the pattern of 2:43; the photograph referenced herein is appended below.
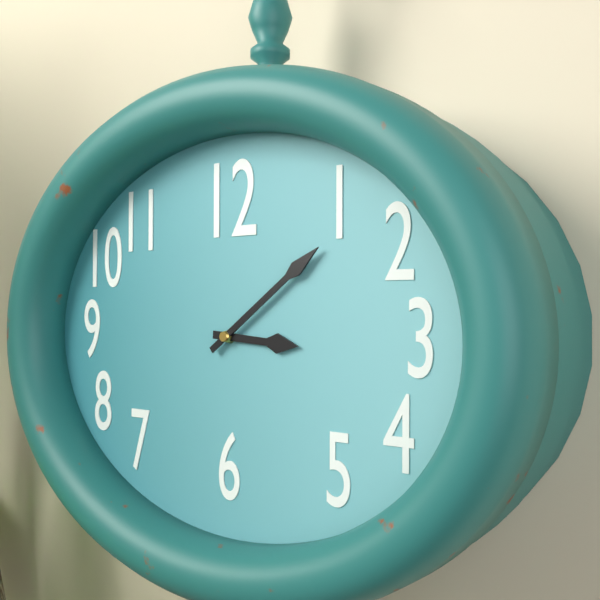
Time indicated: 3:09
